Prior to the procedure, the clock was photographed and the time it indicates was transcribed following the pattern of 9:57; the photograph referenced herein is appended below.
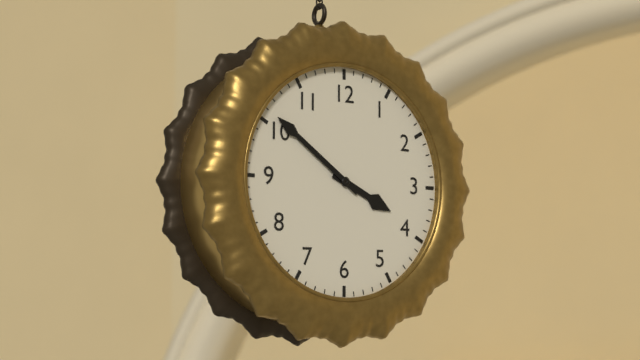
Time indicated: 3:51
